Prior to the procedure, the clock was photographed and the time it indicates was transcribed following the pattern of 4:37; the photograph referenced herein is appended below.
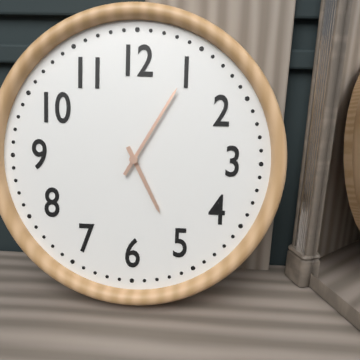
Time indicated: 5:05
